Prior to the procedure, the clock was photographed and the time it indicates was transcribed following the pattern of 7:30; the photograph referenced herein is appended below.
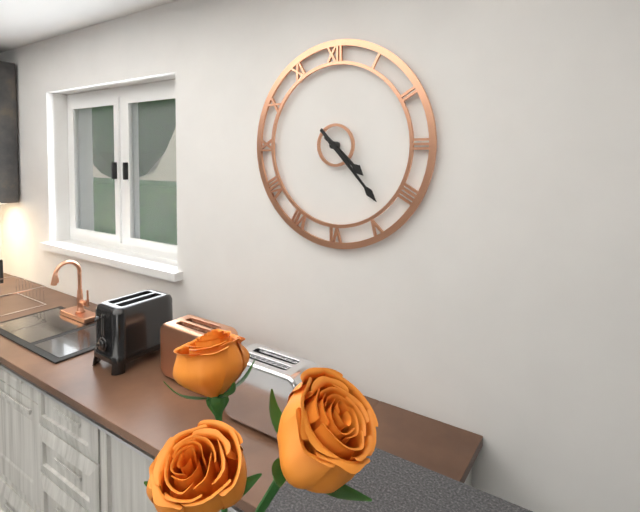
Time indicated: 4:23
